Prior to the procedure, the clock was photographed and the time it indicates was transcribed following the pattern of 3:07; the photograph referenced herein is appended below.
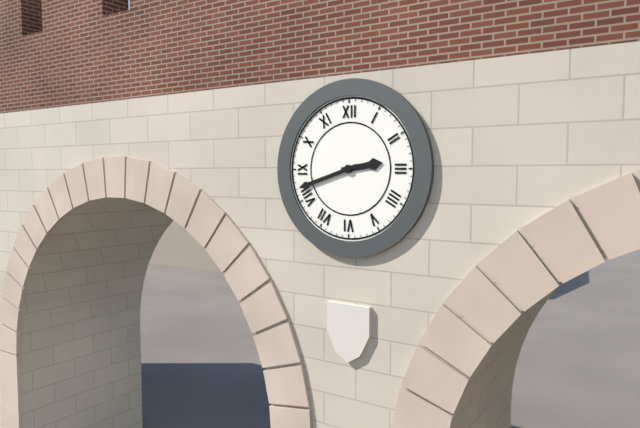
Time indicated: 2:42
